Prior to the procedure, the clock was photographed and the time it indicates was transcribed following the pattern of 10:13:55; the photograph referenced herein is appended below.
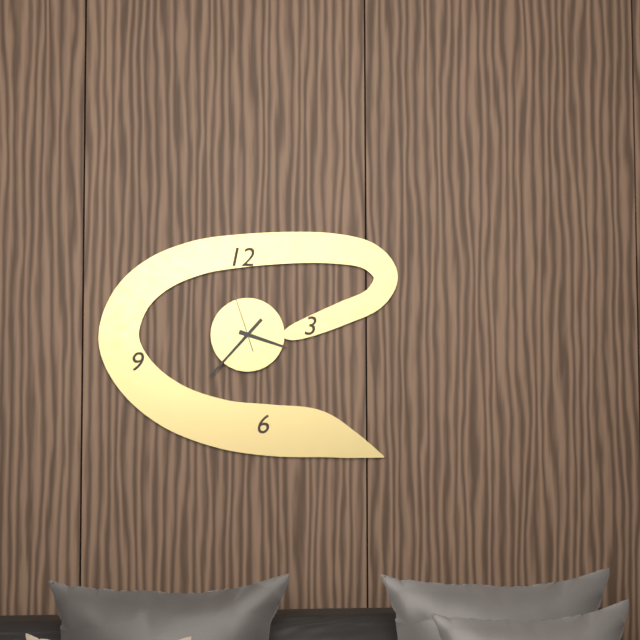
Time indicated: 3:37:57
